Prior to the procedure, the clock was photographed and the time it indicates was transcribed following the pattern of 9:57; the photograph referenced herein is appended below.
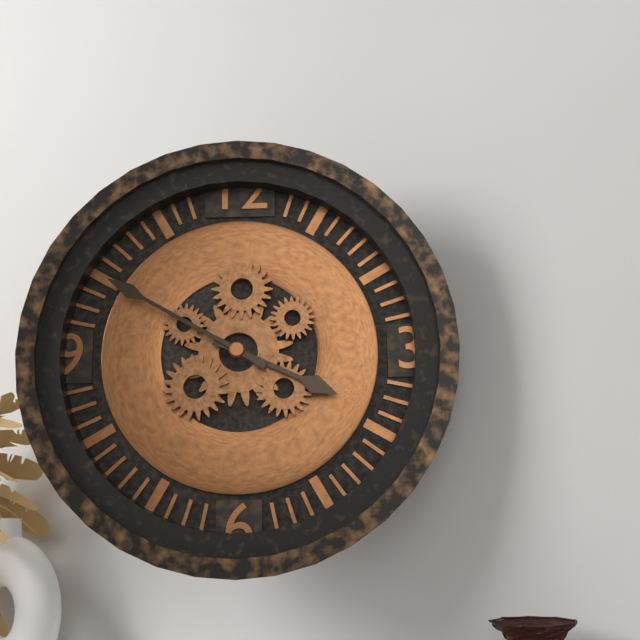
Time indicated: 3:50
